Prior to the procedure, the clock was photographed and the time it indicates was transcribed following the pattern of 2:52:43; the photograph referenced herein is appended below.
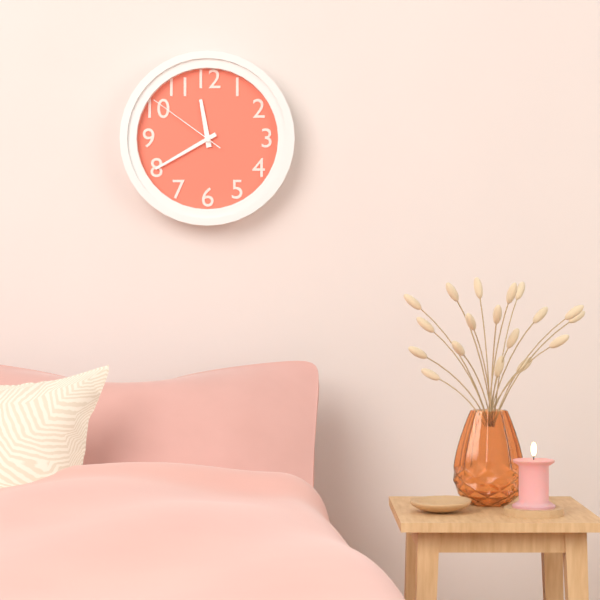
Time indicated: 11:40:51
